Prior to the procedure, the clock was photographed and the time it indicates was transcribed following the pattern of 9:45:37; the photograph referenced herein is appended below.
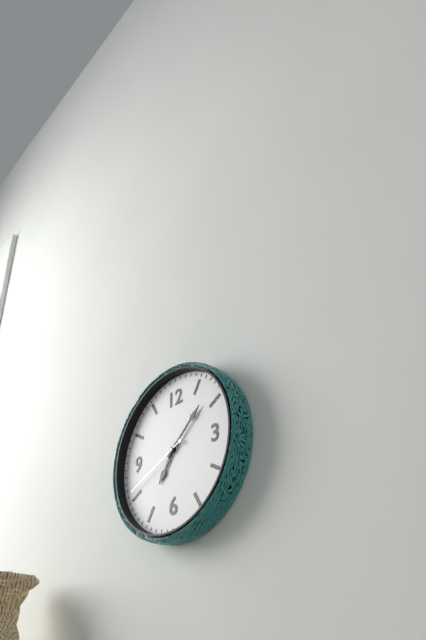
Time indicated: 7:08:41
